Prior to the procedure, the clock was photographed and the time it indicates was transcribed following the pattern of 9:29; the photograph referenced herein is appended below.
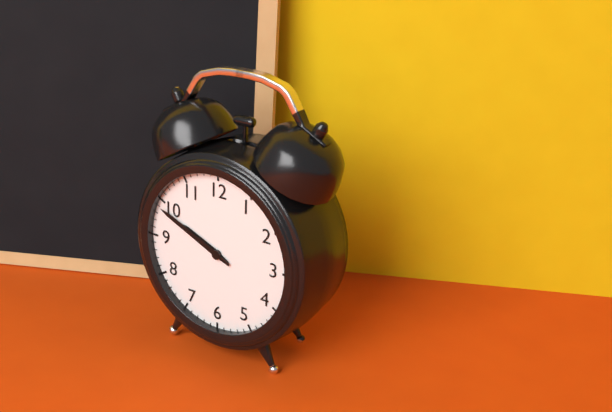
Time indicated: 9:49
